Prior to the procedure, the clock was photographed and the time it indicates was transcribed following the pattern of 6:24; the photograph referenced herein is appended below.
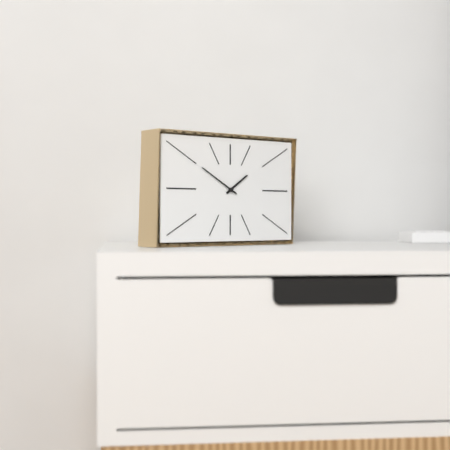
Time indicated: 1:50
